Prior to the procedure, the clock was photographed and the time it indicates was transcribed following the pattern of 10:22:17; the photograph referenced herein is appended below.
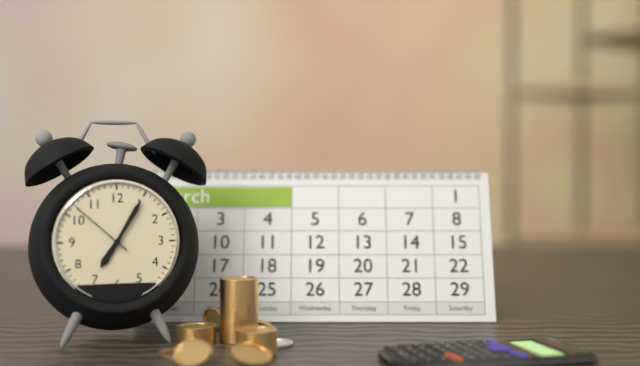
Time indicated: 7:05:52
